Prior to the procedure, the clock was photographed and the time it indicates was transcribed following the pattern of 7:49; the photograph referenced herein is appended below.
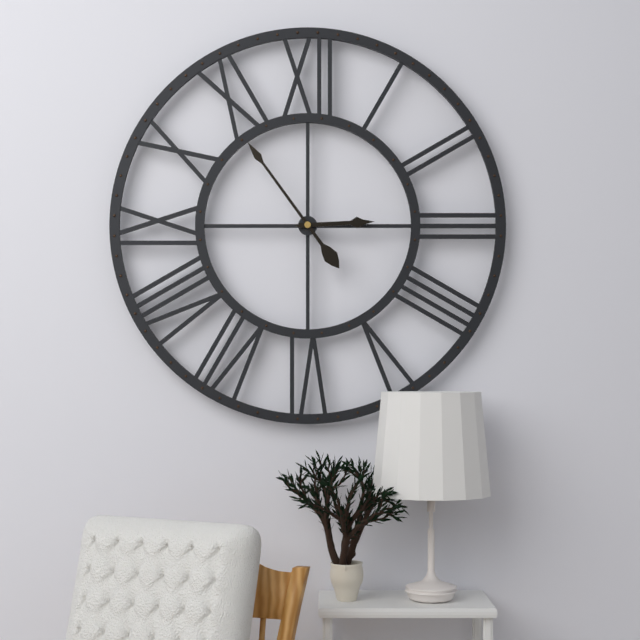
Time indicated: 2:54
